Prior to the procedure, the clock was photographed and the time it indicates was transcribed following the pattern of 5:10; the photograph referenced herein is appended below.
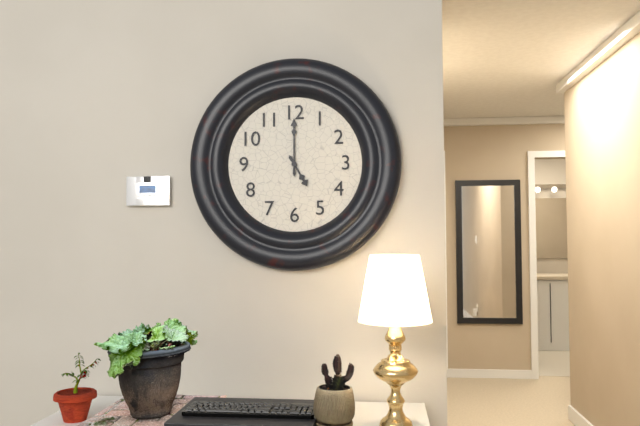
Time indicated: 5:00
